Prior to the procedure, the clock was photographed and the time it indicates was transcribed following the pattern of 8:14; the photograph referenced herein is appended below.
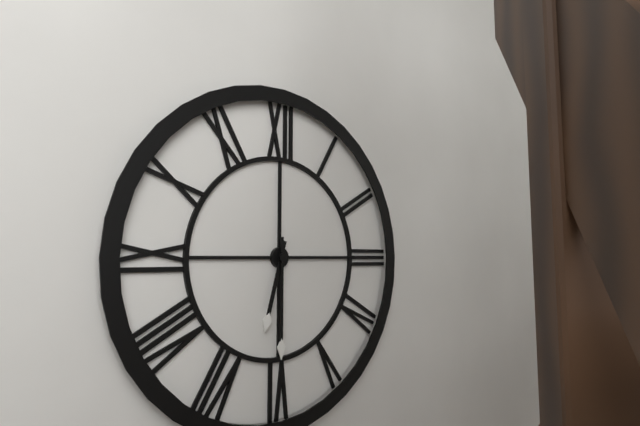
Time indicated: 6:30
